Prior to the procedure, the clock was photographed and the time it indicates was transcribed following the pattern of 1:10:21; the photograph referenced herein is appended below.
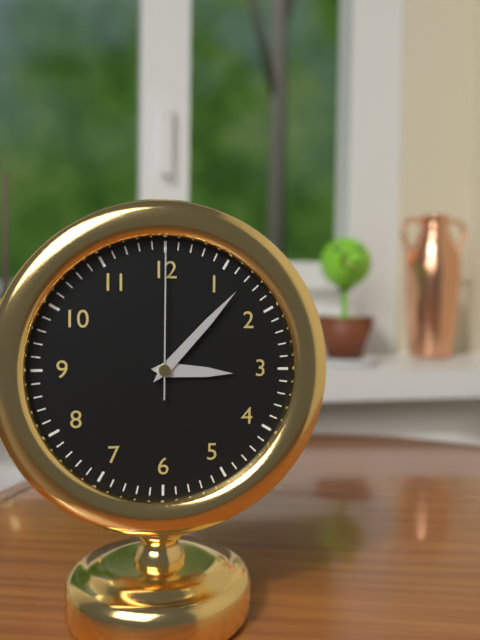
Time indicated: 3:07:00
